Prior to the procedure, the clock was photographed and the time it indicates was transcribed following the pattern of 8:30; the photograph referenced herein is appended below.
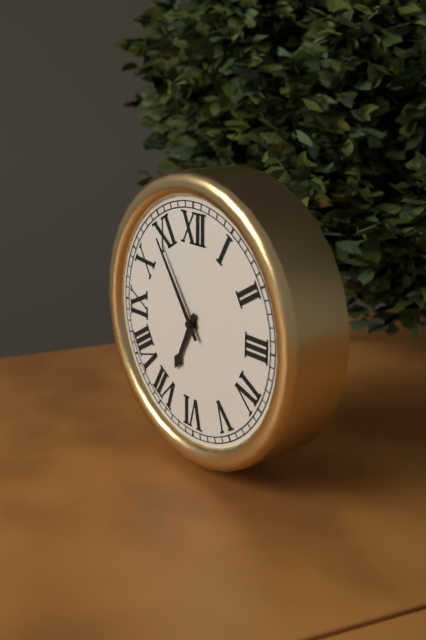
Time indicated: 6:54
